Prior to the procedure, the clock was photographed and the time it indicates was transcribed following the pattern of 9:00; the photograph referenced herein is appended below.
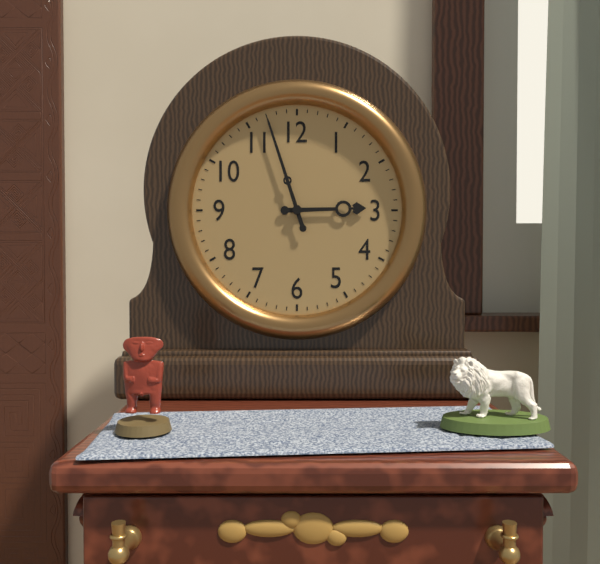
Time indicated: 2:57
